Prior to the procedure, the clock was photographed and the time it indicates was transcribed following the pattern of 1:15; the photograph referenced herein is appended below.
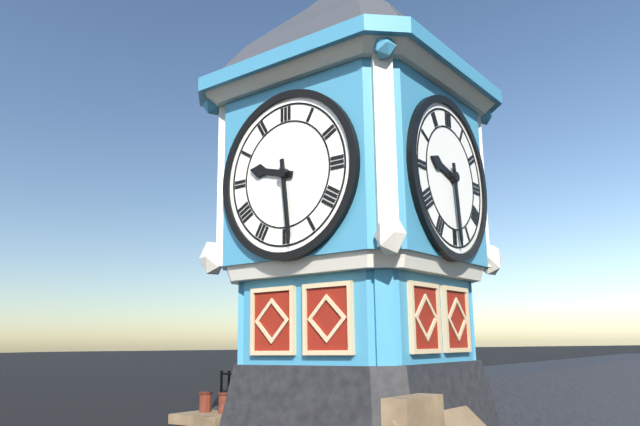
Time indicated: 9:29
